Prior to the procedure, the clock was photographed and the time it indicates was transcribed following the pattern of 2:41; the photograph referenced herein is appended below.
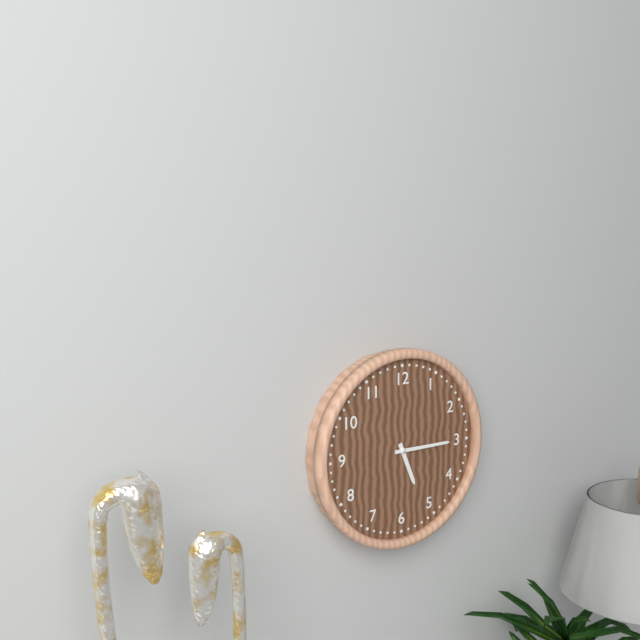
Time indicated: 5:15
